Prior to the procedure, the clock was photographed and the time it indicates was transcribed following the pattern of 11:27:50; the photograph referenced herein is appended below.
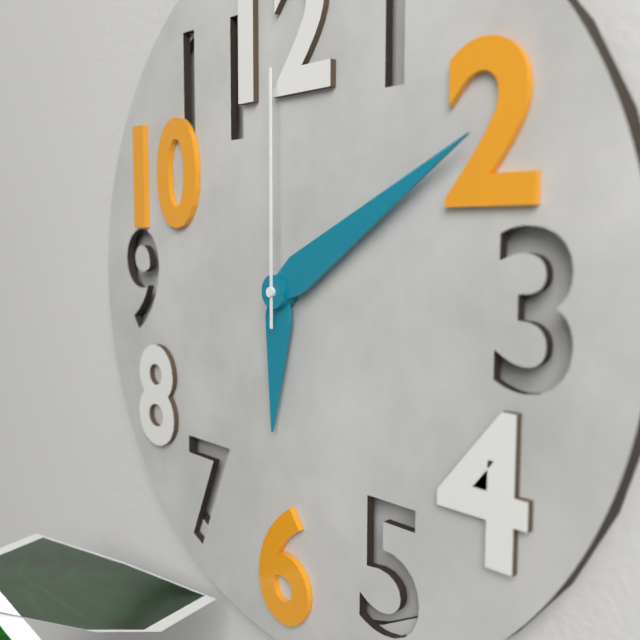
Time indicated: 6:10:00
